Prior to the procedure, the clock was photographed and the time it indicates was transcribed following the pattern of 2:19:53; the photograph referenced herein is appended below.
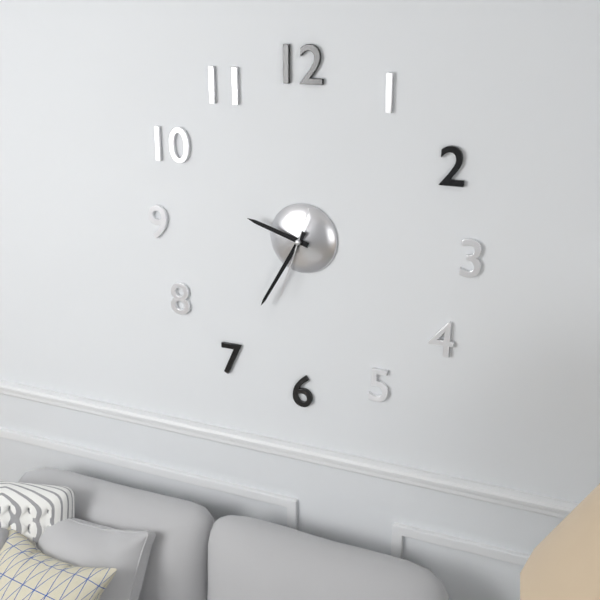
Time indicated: 9:35:33
